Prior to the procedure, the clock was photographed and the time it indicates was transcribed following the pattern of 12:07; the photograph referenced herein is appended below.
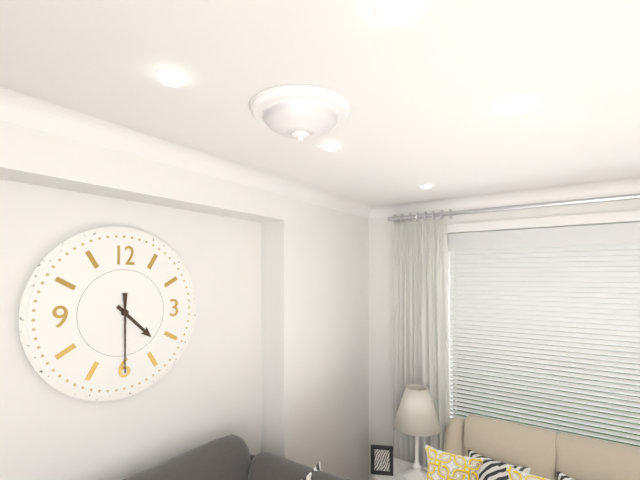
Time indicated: 4:30
